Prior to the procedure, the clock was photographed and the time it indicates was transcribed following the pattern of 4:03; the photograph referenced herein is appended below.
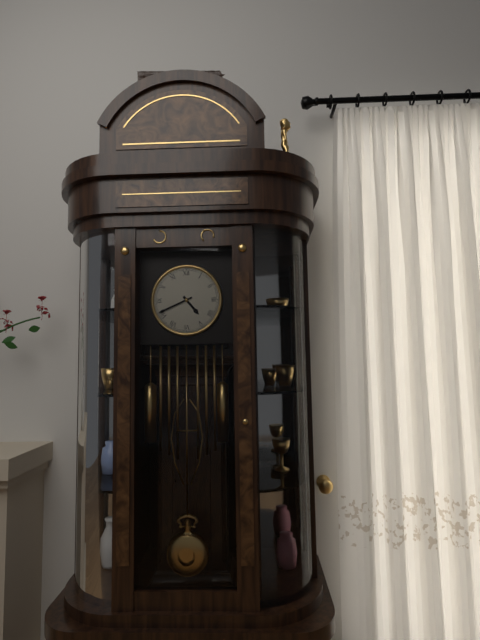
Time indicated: 4:41
